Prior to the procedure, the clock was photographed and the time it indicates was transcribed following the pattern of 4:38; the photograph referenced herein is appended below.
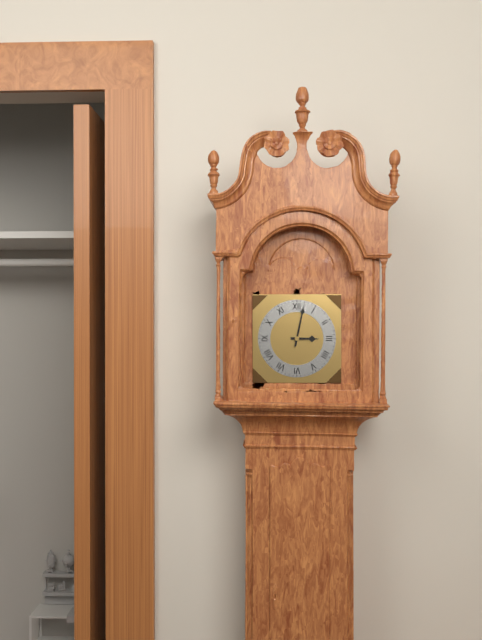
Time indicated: 3:02
